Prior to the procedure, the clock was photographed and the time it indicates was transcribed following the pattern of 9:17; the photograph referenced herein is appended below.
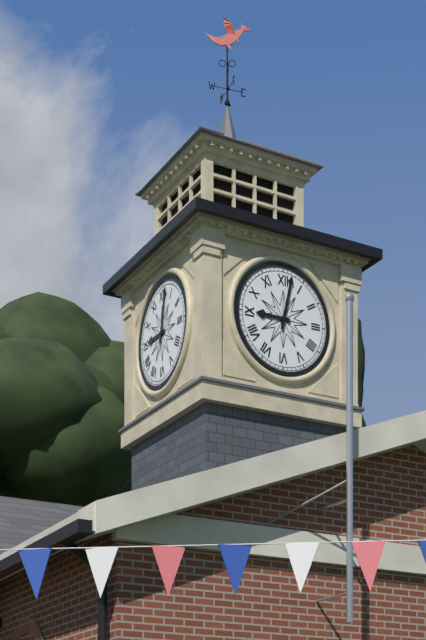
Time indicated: 9:02
